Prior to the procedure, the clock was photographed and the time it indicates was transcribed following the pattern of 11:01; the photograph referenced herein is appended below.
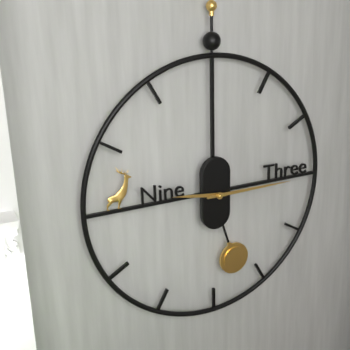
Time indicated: 9:15
